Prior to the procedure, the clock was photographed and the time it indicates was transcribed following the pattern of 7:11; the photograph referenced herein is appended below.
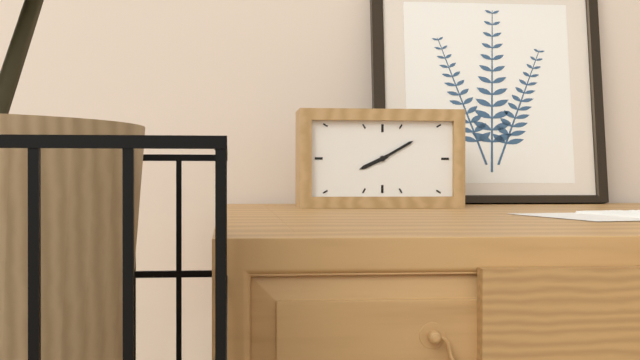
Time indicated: 8:10
